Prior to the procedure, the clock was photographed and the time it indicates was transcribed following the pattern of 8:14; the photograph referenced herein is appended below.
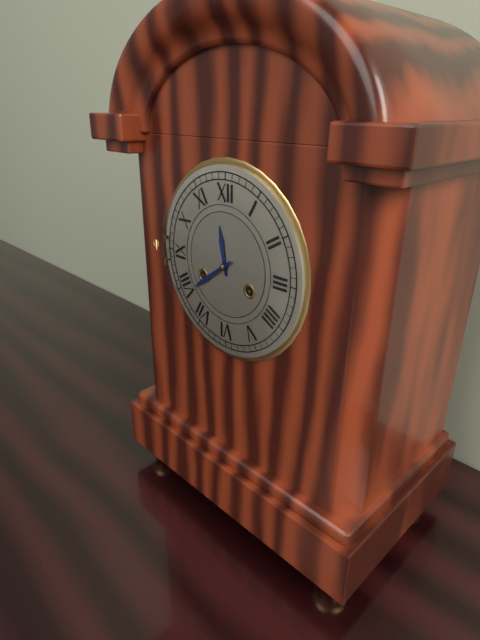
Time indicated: 11:39
